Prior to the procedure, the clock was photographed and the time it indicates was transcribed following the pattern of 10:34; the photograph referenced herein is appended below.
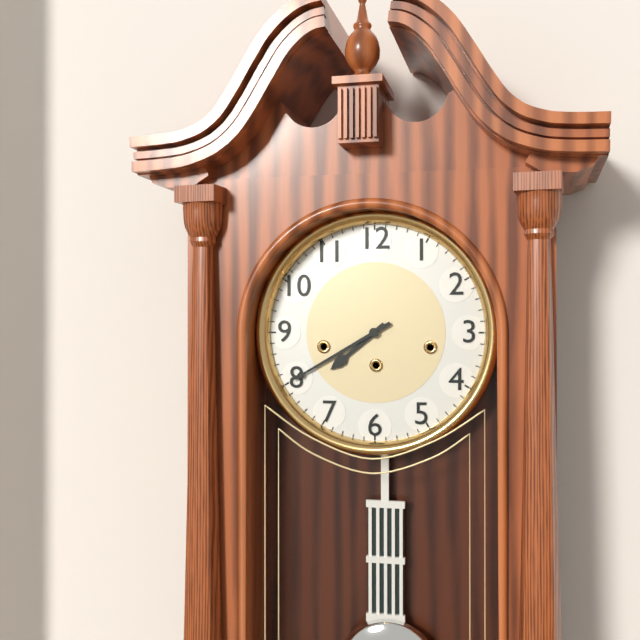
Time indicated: 7:40
